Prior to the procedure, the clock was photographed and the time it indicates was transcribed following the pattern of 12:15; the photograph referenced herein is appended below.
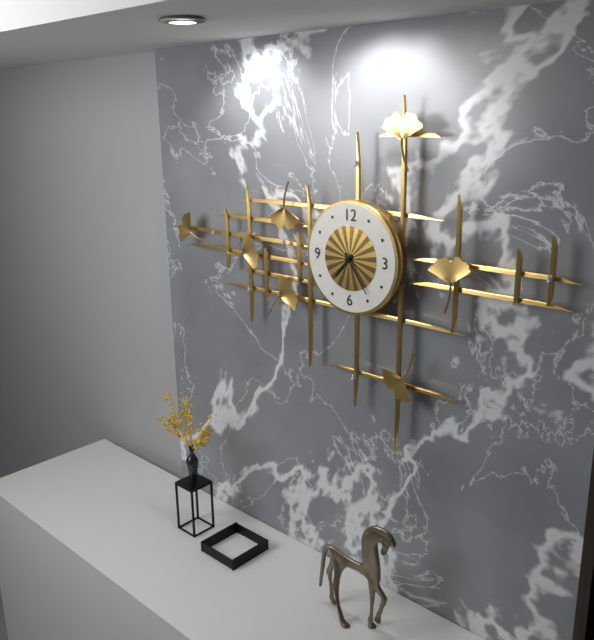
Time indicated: 7:24
